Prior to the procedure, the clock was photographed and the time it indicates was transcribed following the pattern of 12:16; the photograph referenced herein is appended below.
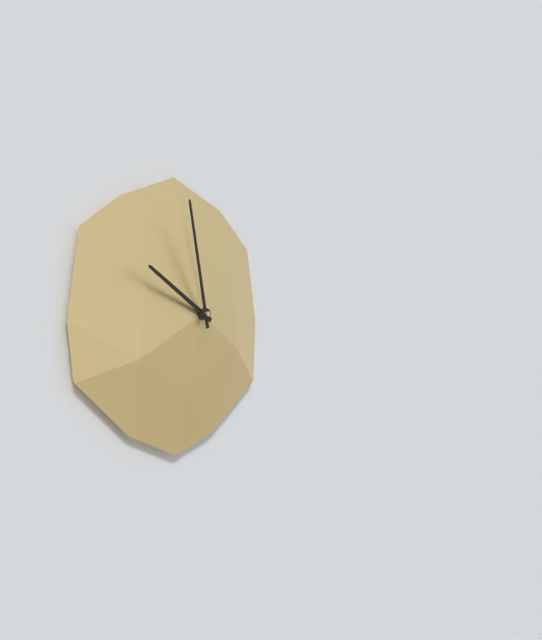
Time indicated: 9:58
